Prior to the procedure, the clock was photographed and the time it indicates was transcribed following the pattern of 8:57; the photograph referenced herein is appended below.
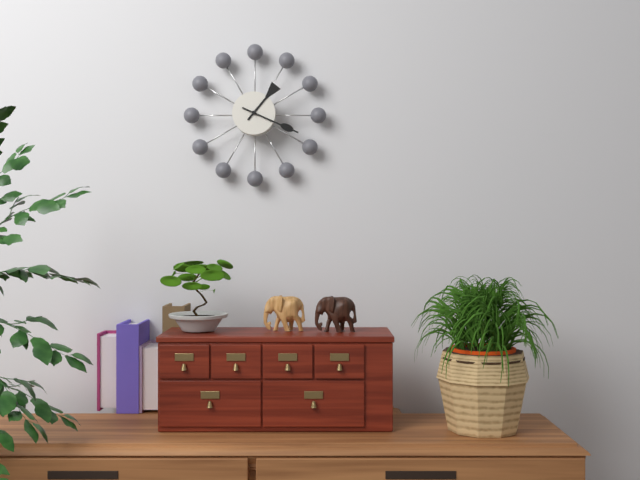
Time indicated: 1:19
